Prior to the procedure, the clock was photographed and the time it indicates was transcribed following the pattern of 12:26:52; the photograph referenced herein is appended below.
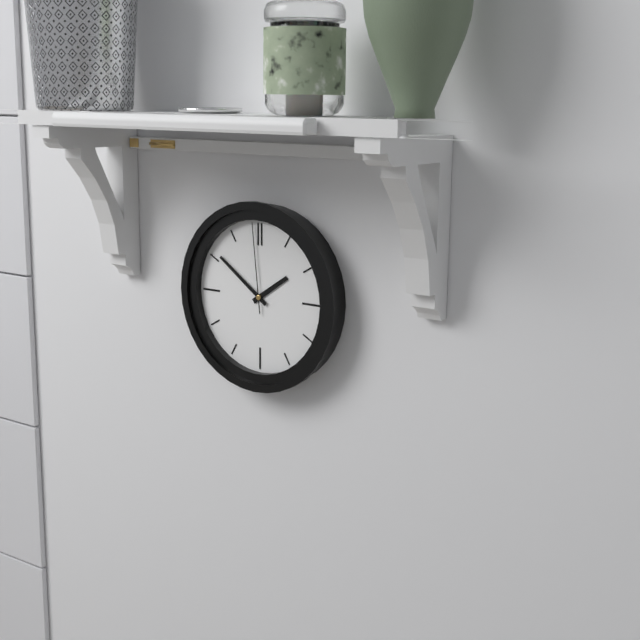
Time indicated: 1:51:59
